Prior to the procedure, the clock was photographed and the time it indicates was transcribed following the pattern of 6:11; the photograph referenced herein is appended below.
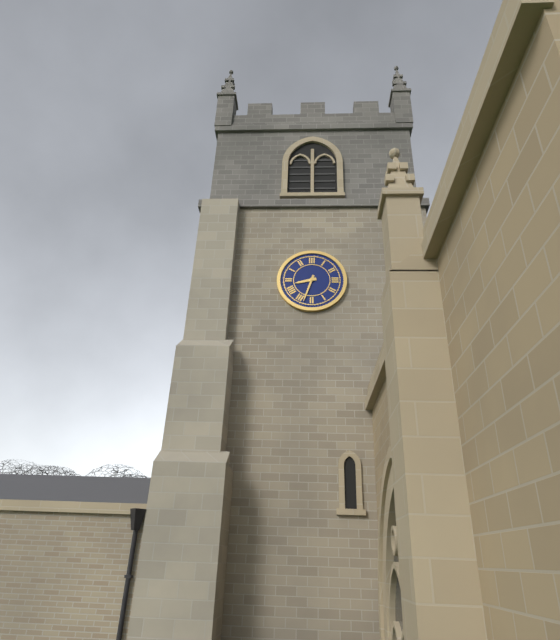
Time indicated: 8:33
